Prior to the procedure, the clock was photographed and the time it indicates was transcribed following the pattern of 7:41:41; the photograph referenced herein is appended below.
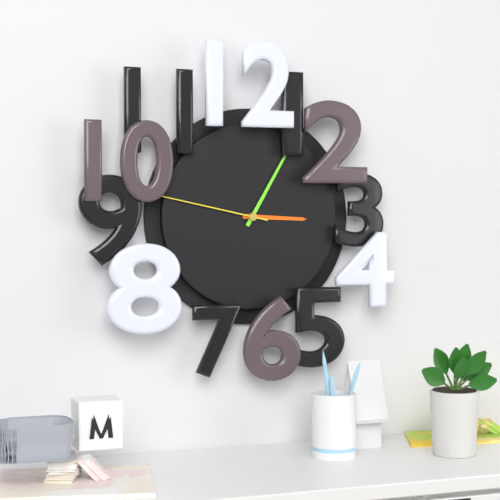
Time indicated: 3:05:47
